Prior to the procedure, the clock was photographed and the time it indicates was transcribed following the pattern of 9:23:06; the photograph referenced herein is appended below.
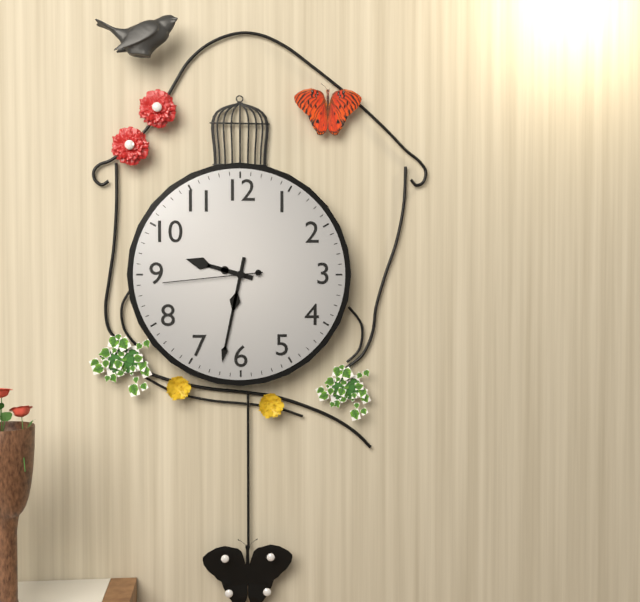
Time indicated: 9:32:44
